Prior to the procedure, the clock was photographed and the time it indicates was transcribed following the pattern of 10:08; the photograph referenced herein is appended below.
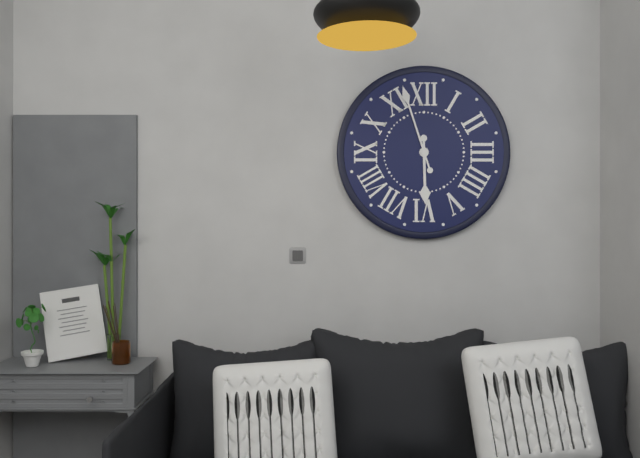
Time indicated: 5:57
